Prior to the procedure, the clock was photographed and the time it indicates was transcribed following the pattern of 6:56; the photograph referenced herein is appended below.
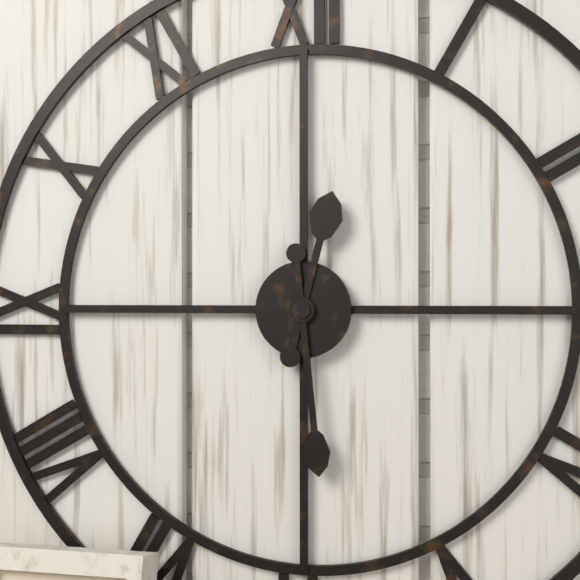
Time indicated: 12:29
